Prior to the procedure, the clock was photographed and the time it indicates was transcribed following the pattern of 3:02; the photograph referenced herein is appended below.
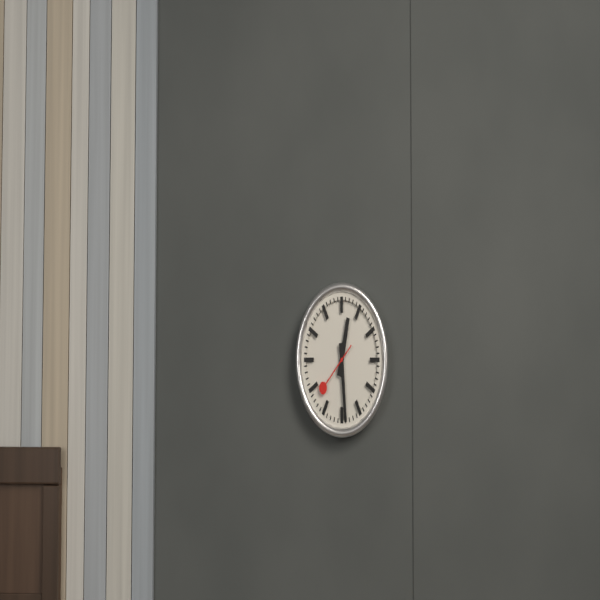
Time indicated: 12:29
